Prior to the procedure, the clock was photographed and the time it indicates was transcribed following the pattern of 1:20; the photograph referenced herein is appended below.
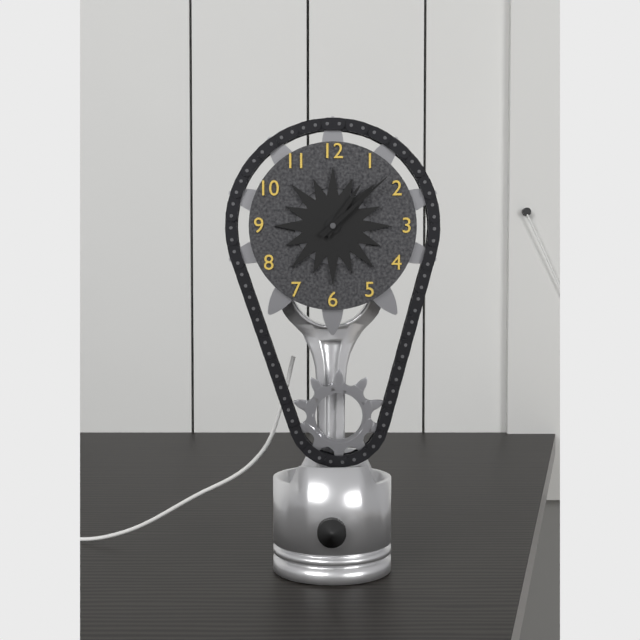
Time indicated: 1:08
